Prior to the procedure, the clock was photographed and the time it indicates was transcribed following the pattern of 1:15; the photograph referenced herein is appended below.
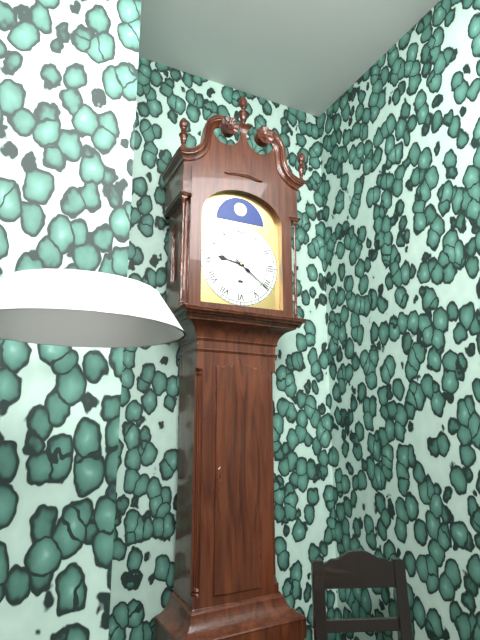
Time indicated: 9:21
